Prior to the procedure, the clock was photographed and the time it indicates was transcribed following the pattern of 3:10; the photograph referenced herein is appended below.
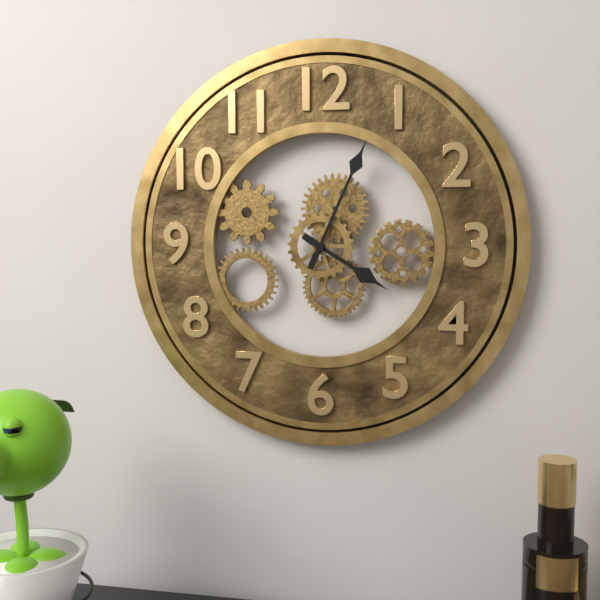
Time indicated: 4:04
